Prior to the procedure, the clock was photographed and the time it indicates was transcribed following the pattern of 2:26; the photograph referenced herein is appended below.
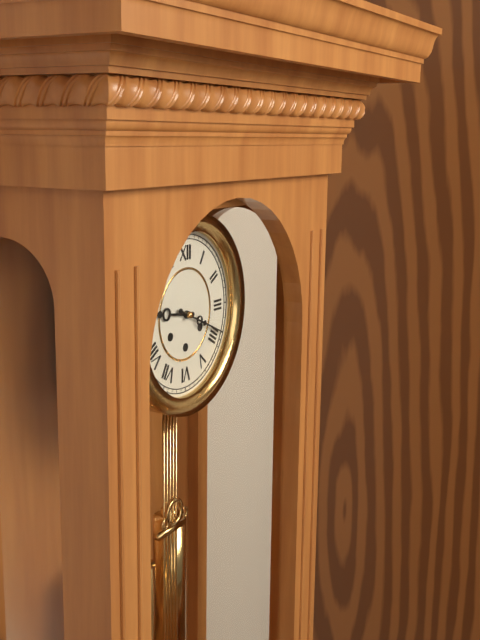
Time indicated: 9:19
